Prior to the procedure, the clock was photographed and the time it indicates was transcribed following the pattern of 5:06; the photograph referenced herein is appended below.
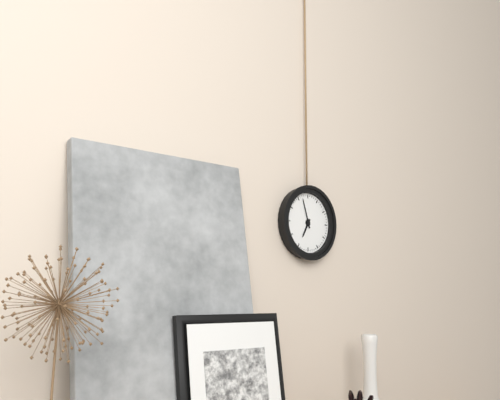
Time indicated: 6:57
